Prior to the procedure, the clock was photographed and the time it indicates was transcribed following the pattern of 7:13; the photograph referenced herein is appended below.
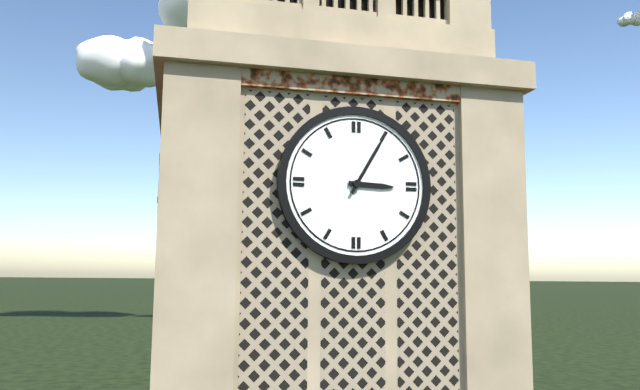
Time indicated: 3:05
